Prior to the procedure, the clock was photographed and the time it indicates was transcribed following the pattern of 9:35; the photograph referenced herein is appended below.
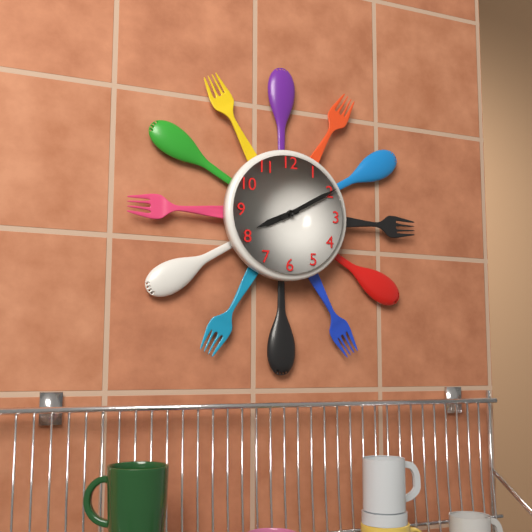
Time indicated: 8:10
